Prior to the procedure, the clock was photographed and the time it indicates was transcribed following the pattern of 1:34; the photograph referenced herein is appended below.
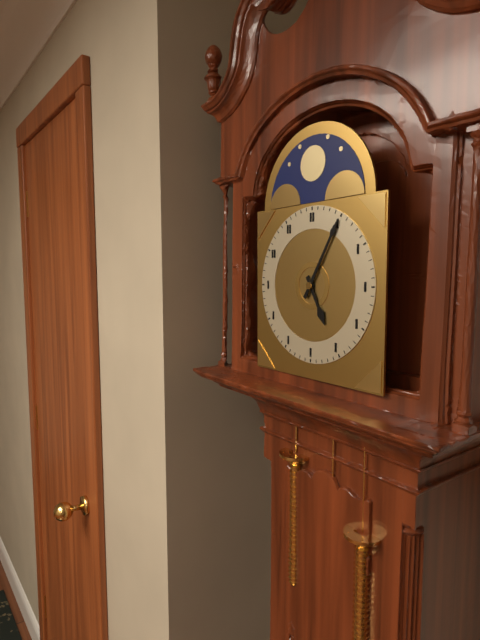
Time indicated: 5:05
